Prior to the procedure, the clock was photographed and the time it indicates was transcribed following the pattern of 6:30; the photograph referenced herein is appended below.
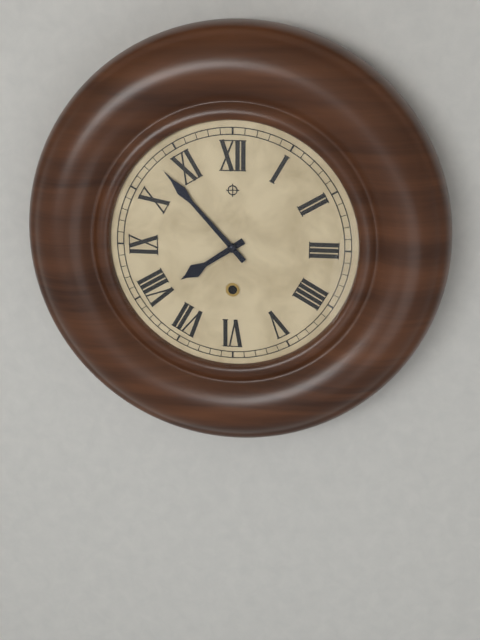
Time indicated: 7:53
